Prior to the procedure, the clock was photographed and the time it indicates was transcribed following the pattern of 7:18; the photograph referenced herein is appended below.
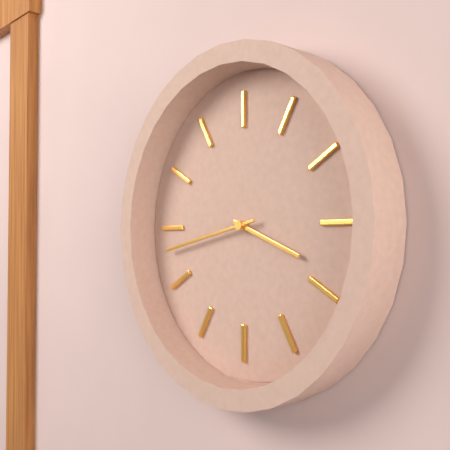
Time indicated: 3:43
